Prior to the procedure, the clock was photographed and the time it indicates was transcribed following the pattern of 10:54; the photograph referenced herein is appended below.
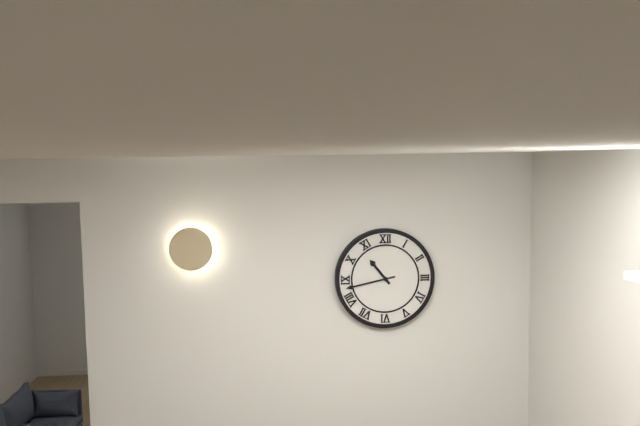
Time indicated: 10:43
